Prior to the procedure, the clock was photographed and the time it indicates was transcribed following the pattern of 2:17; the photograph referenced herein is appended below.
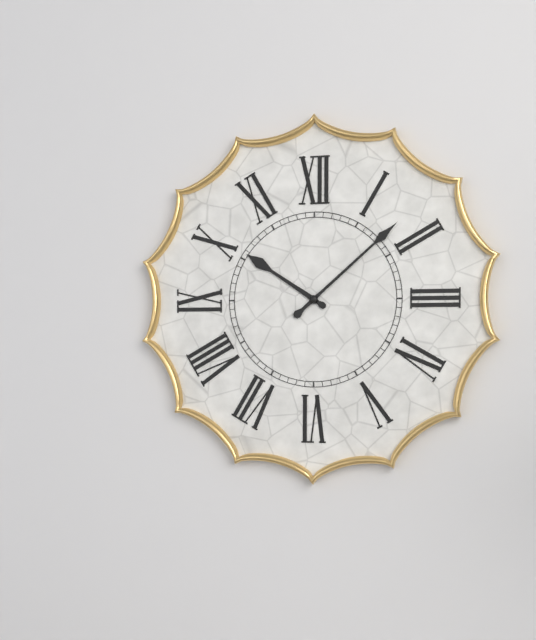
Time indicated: 10:08
